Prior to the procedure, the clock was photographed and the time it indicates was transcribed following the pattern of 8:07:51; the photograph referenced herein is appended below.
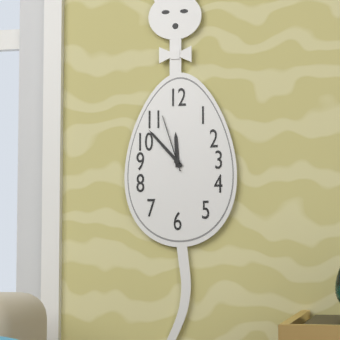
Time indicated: 11:53:57
